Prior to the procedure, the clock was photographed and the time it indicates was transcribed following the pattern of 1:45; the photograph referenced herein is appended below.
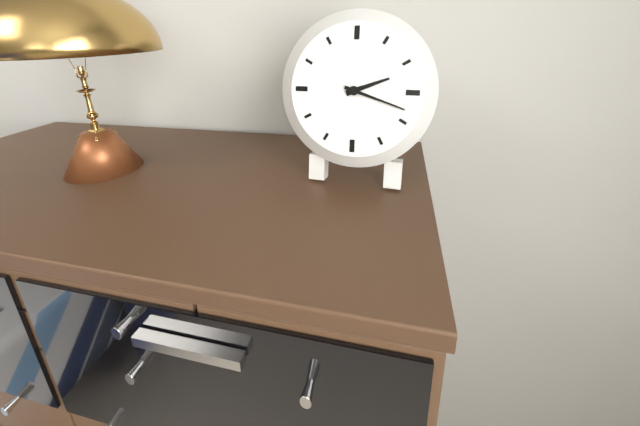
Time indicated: 2:18
